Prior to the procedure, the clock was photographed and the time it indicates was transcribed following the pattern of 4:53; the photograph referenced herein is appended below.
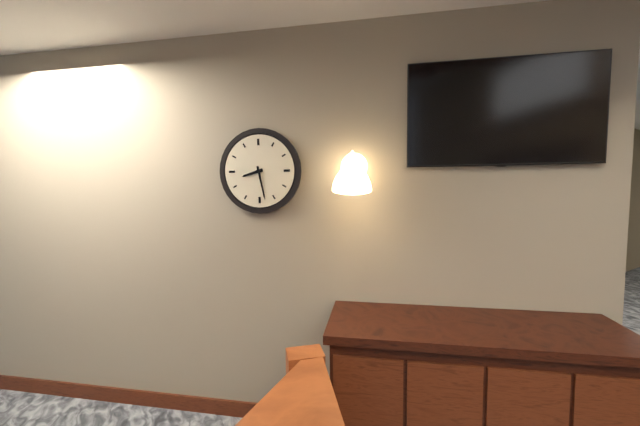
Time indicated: 8:28
